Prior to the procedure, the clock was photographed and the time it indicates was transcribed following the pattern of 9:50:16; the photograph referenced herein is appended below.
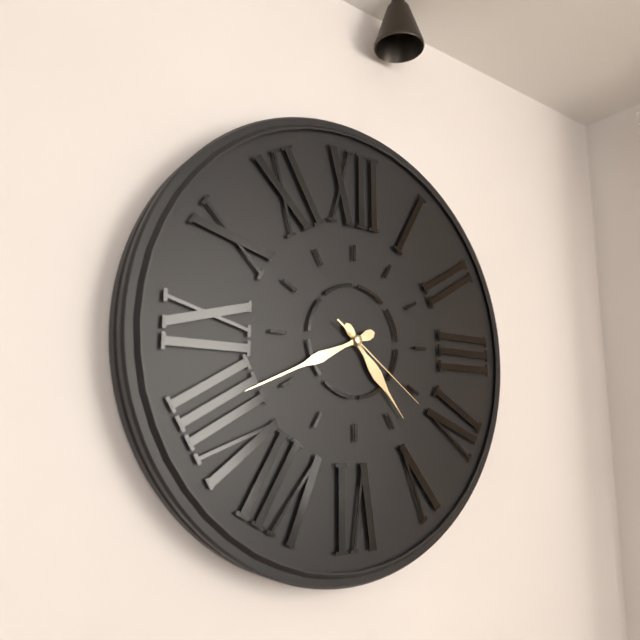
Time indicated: 4:41:21
